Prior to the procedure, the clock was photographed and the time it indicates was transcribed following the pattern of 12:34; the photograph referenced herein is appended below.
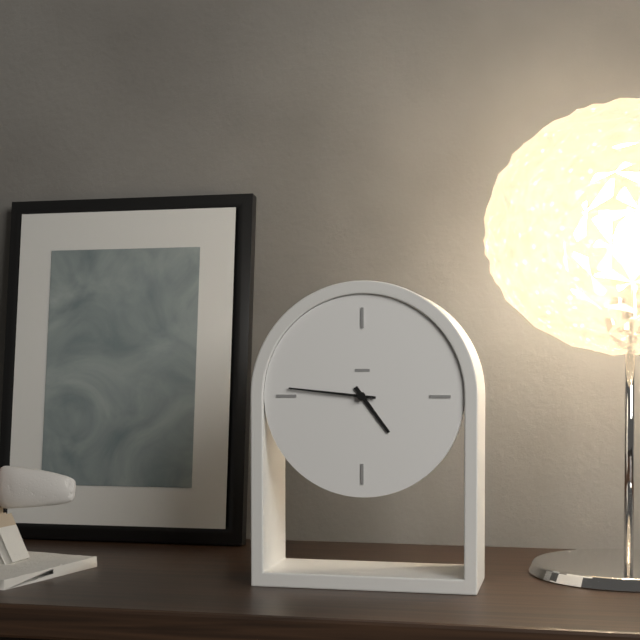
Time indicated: 4:46
